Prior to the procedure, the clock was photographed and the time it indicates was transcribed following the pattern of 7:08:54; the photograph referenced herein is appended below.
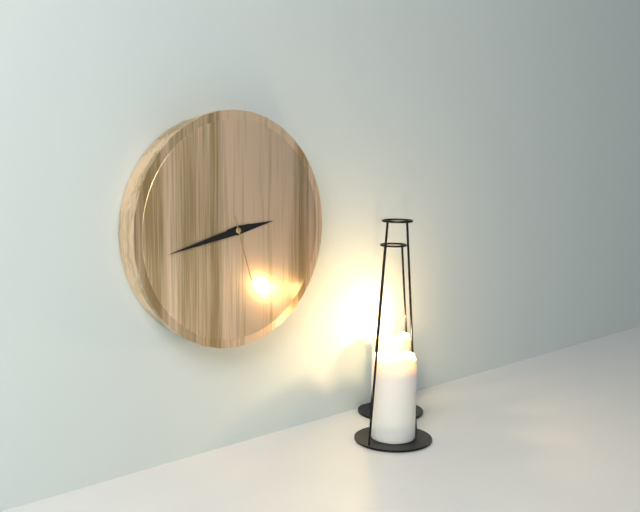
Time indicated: 2:43:27
